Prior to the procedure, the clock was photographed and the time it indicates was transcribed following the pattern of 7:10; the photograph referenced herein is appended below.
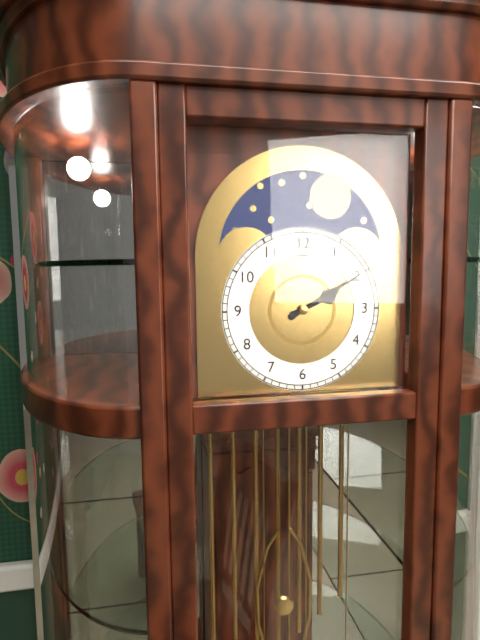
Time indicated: 2:10
